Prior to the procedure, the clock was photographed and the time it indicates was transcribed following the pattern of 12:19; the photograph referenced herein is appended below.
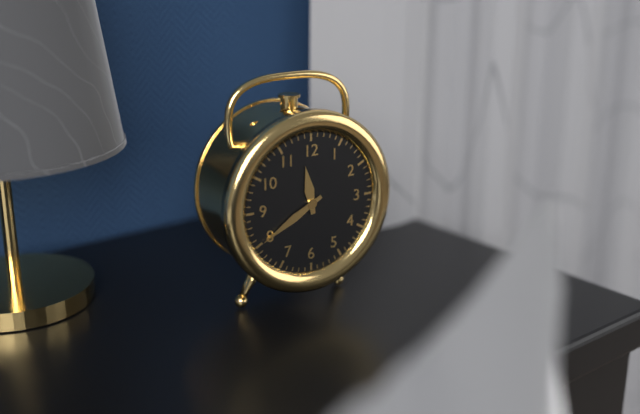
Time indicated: 11:40
